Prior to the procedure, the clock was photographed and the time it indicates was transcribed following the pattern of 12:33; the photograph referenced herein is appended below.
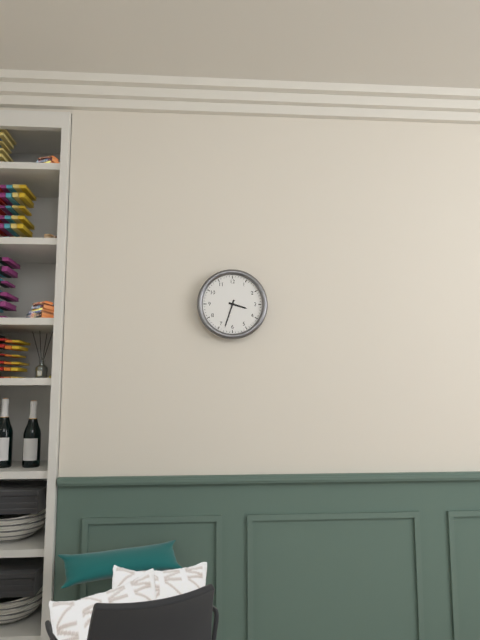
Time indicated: 3:33
